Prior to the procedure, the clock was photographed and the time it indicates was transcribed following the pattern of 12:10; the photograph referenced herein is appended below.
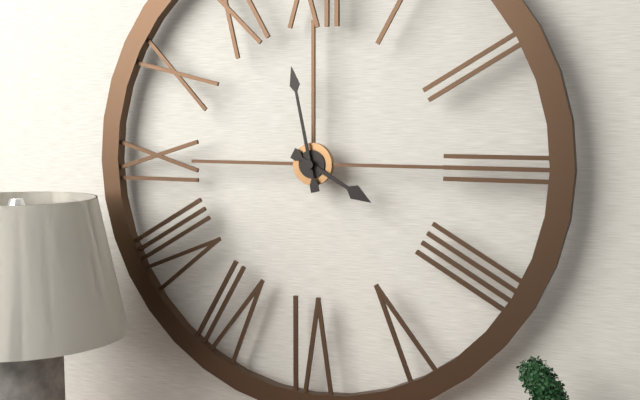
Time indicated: 3:58
